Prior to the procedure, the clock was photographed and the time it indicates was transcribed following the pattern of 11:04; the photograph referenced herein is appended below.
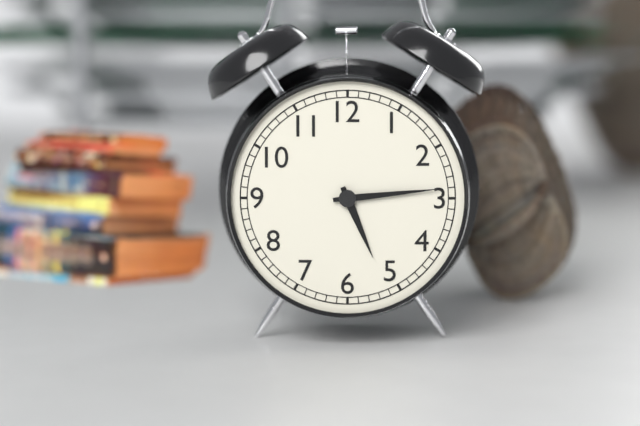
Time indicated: 5:14
